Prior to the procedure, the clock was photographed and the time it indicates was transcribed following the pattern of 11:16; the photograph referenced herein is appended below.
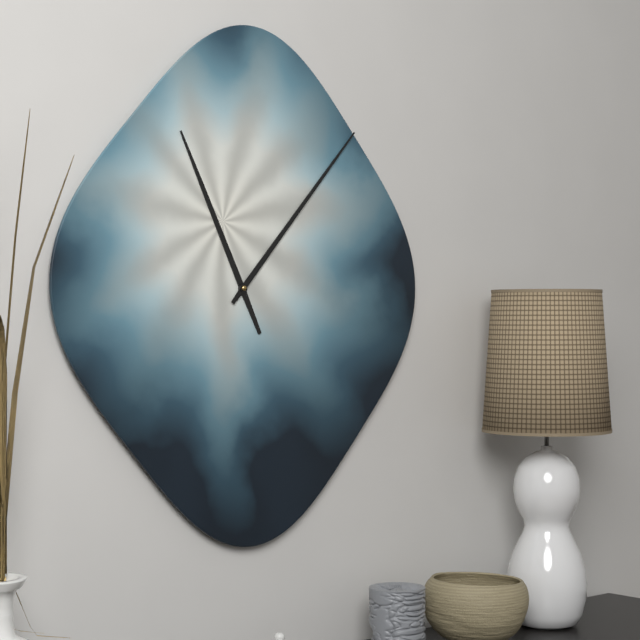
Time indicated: 11:07
